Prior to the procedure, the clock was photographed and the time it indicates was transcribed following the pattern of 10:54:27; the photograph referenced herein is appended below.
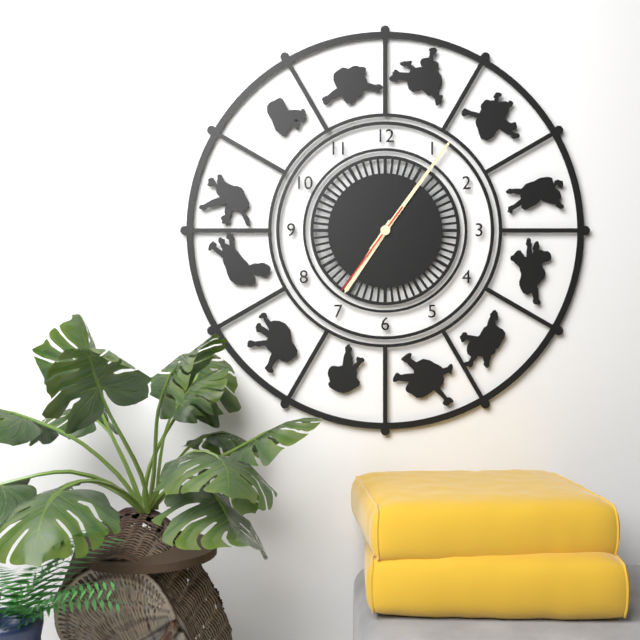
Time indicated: 7:06:36
